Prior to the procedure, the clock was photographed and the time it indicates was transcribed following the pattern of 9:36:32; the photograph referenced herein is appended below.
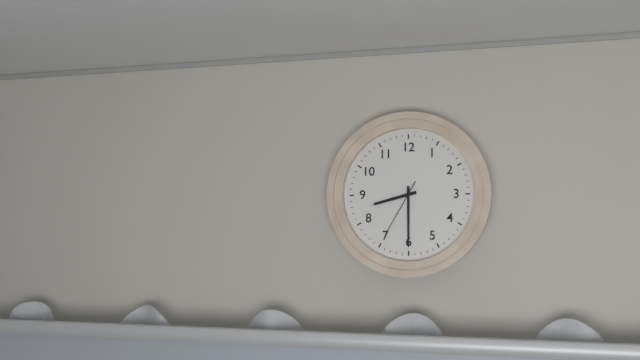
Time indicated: 8:30:35
